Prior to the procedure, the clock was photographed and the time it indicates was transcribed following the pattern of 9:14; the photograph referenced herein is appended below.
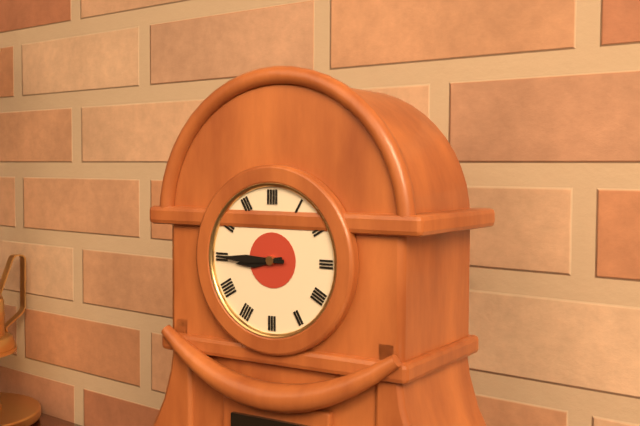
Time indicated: 8:45
